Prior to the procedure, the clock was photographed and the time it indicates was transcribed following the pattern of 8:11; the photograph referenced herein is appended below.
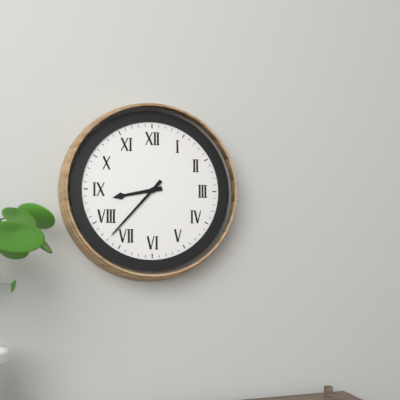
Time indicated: 8:37
